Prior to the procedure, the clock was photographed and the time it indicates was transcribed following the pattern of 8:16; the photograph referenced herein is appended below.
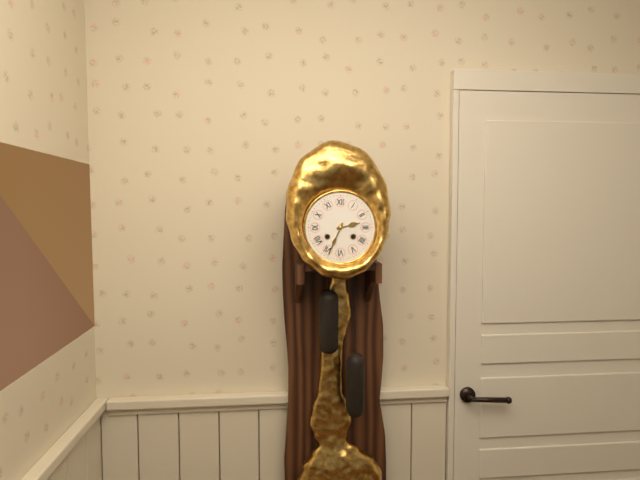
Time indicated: 2:34
